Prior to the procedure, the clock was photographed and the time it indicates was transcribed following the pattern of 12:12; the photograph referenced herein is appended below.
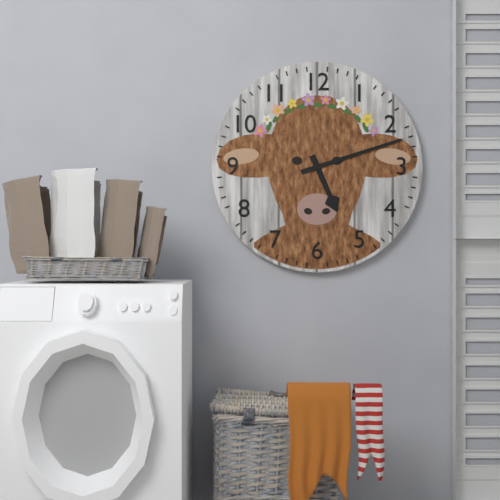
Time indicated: 5:12
